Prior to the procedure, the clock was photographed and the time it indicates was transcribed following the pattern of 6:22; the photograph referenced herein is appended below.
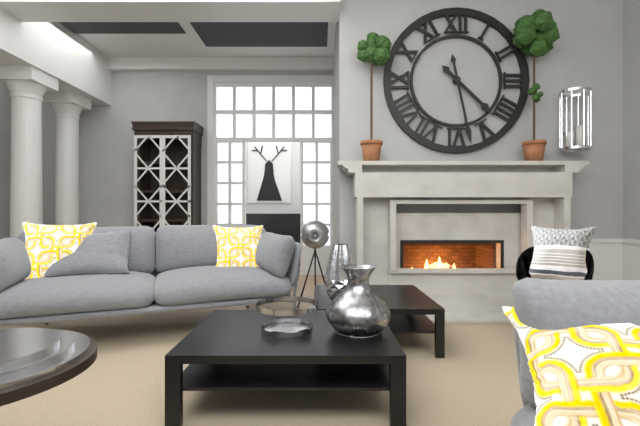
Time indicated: 4:28
